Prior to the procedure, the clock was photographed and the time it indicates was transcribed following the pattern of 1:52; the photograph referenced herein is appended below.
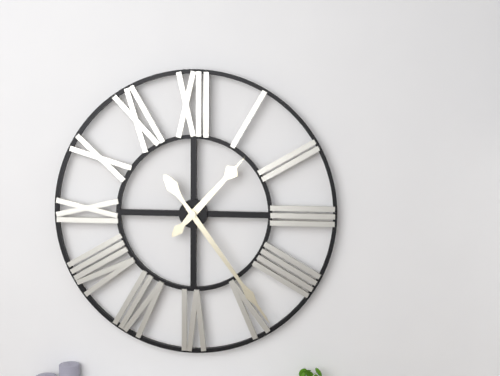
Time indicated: 1:24
